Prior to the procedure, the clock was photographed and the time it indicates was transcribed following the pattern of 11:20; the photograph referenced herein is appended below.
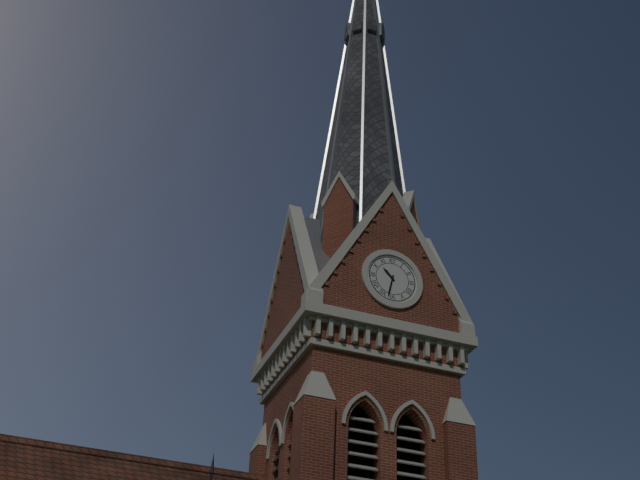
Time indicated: 10:32
